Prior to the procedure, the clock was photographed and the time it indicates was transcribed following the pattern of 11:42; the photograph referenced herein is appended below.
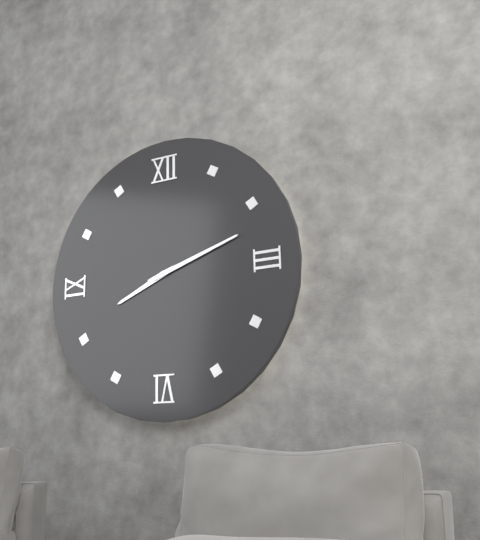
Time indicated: 8:12
